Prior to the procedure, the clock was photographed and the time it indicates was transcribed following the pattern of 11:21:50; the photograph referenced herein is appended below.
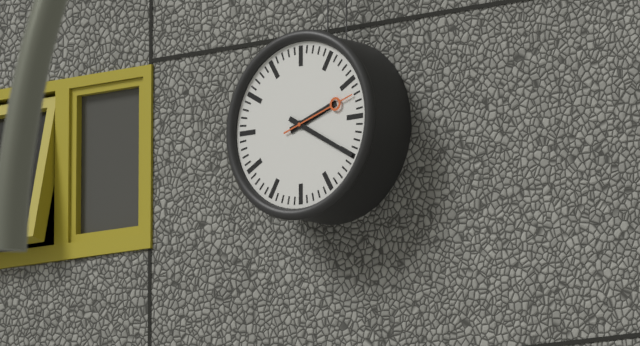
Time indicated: 2:20:12
